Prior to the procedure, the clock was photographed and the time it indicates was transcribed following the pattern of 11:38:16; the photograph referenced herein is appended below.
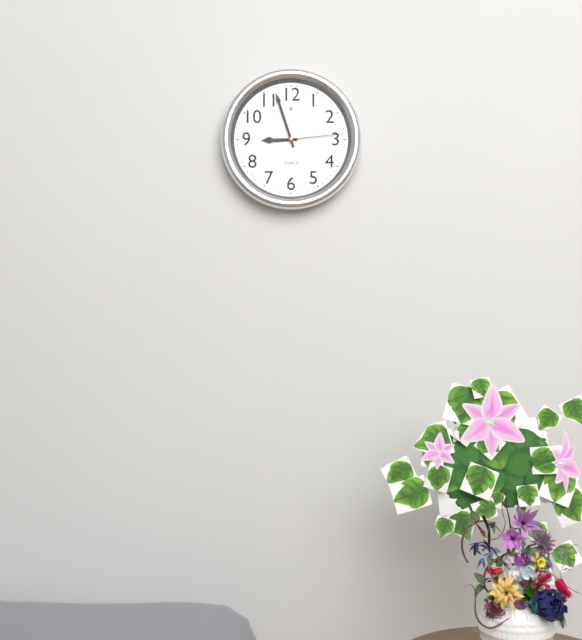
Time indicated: 8:57:14
